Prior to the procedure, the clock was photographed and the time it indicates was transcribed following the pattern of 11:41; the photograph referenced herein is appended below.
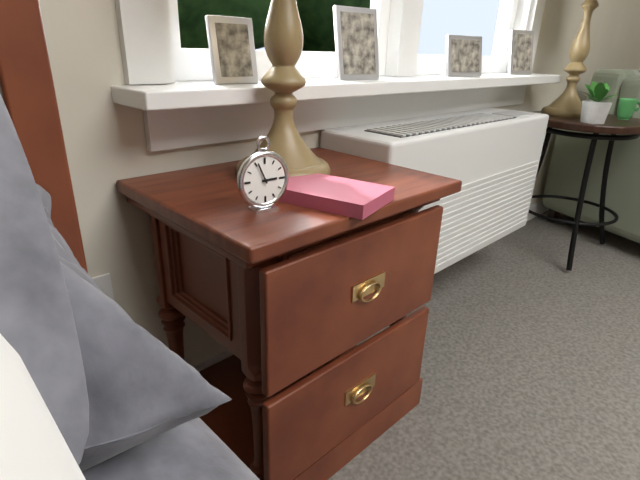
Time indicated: 2:56
